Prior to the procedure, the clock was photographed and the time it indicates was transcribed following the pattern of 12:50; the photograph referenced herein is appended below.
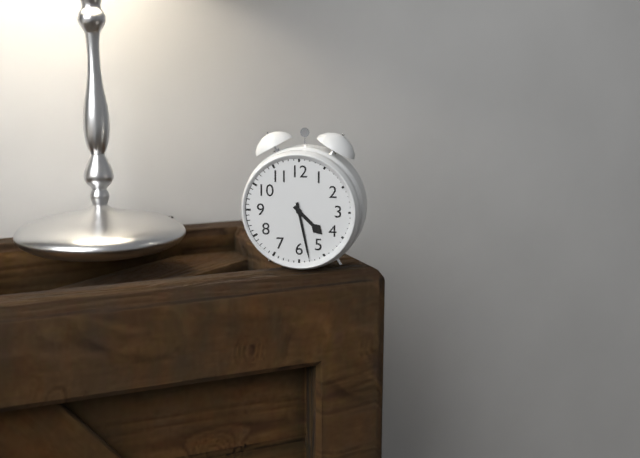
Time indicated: 4:28
